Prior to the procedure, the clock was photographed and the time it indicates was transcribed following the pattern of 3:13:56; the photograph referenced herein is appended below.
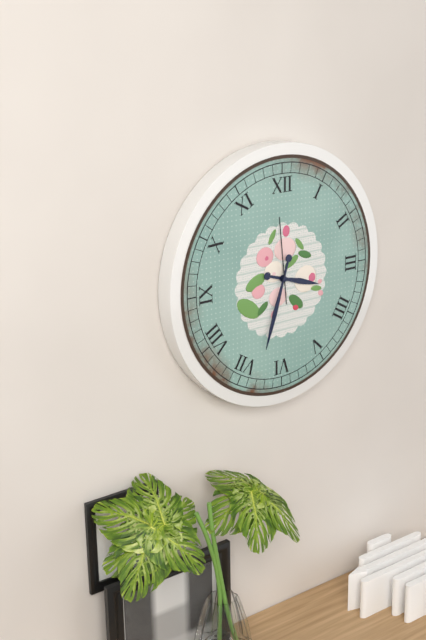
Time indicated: 3:33:59
